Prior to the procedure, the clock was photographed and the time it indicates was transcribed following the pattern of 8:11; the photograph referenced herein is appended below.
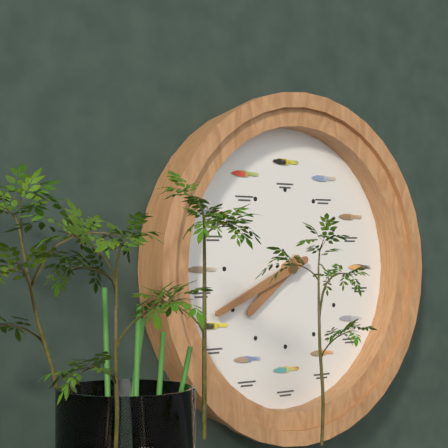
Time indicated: 7:41
